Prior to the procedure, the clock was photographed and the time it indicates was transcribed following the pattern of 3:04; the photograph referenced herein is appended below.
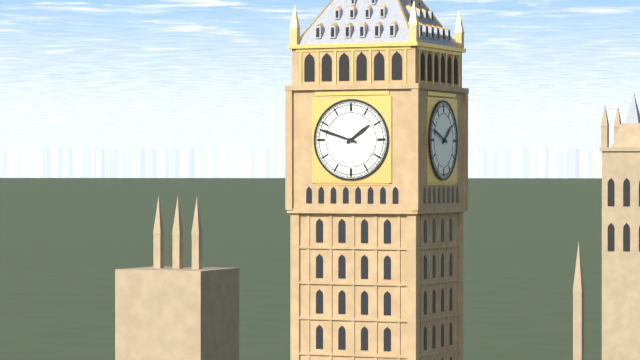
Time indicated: 1:48
